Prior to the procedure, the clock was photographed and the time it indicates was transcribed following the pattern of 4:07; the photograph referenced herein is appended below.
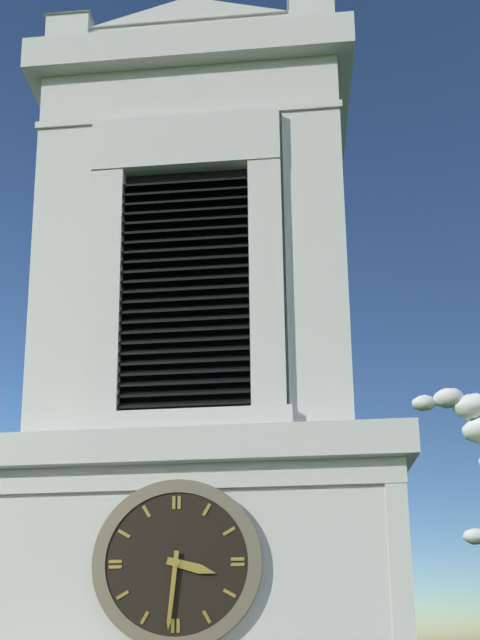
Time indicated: 3:31
